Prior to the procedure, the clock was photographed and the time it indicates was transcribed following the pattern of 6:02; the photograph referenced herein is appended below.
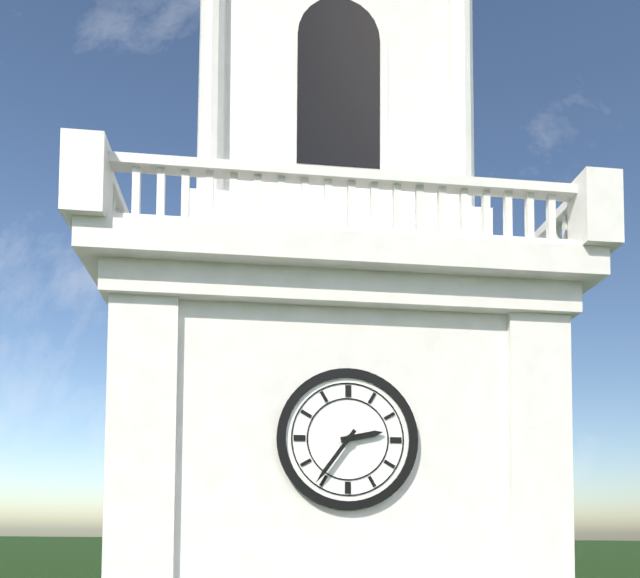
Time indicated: 2:36
